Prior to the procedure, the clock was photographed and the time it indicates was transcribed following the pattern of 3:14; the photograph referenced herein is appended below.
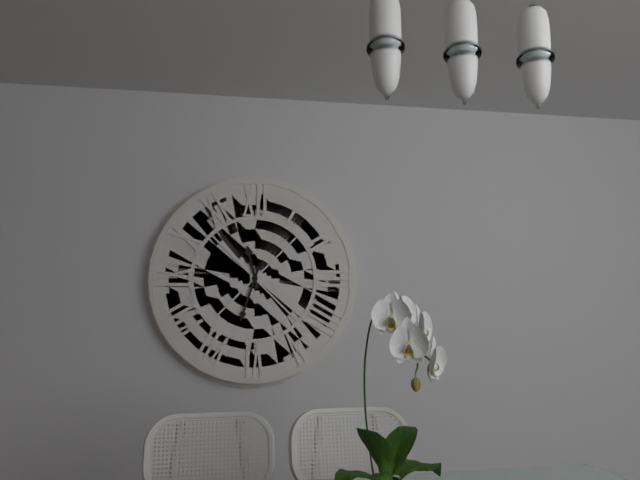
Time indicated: 11:33
